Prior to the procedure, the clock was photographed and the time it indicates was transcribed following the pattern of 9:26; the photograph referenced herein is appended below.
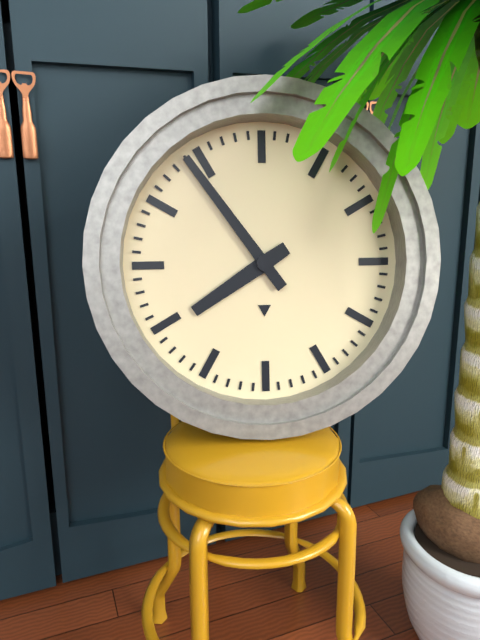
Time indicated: 7:54
